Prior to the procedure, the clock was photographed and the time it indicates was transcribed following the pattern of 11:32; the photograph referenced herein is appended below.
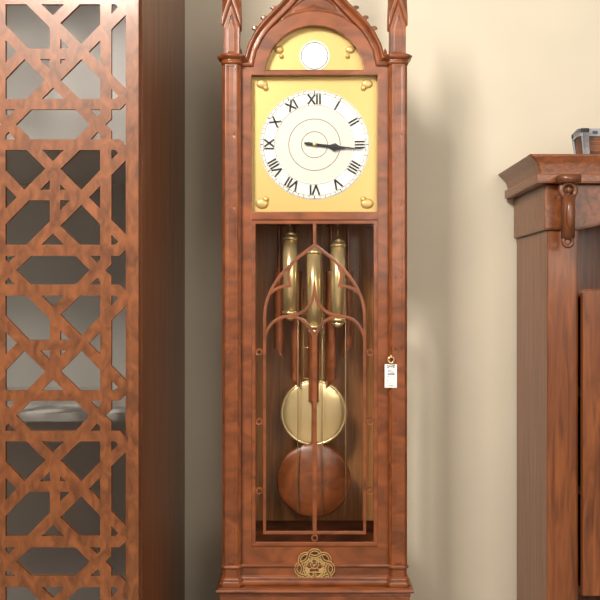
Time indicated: 3:16
